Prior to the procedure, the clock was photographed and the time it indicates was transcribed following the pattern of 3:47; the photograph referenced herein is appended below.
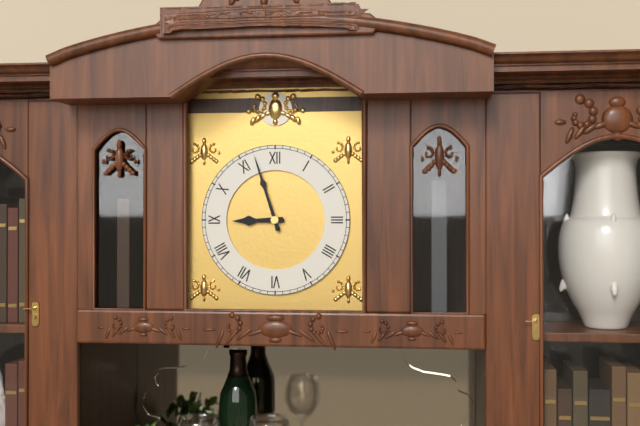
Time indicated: 8:57
